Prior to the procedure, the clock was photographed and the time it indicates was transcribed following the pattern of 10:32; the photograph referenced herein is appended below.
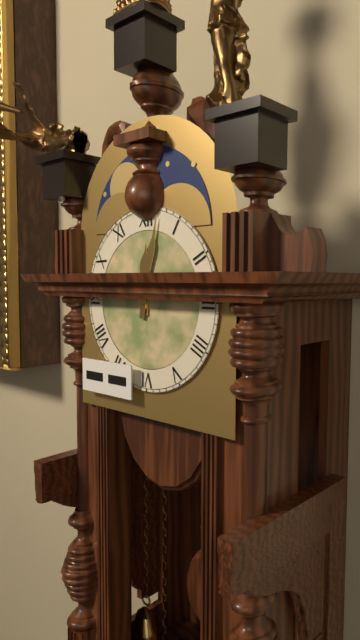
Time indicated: 12:02
